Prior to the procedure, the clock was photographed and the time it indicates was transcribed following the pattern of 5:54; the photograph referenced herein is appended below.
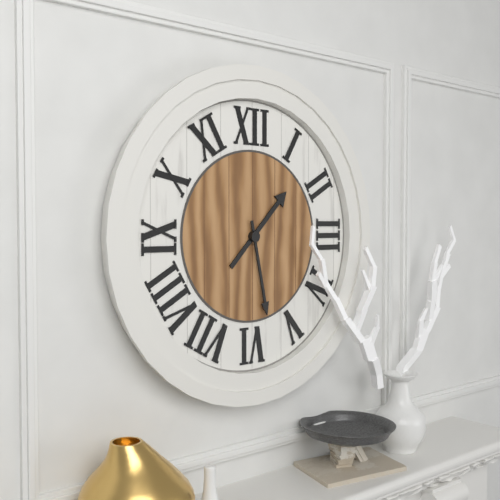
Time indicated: 1:28
